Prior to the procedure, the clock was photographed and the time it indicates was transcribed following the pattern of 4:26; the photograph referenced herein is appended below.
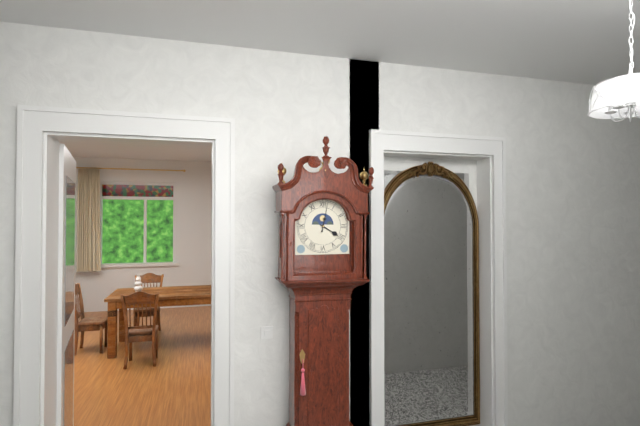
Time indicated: 4:02
